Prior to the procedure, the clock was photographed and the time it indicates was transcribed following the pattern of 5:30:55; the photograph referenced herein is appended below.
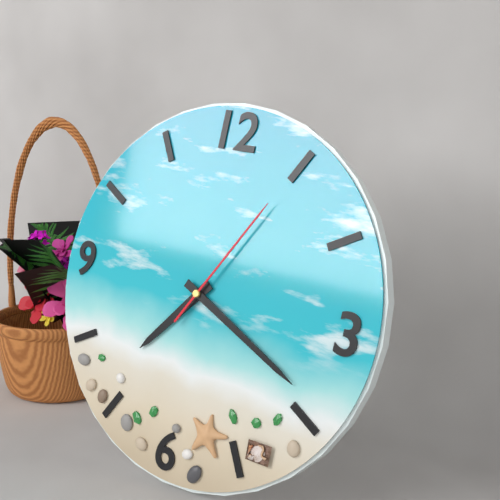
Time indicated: 7:19:05
